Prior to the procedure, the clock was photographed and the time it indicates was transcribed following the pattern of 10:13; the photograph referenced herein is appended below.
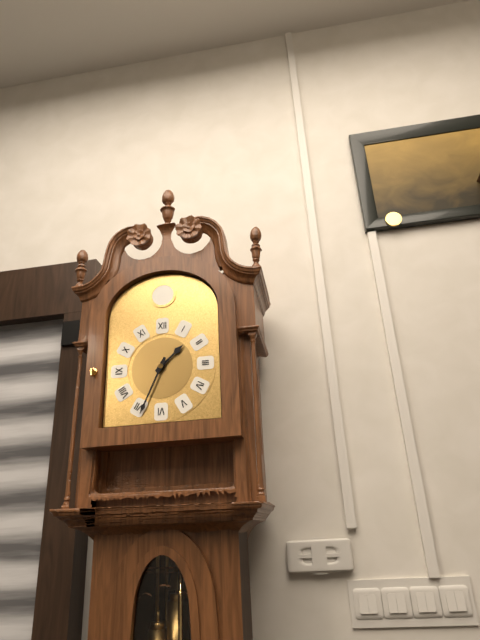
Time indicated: 1:34
